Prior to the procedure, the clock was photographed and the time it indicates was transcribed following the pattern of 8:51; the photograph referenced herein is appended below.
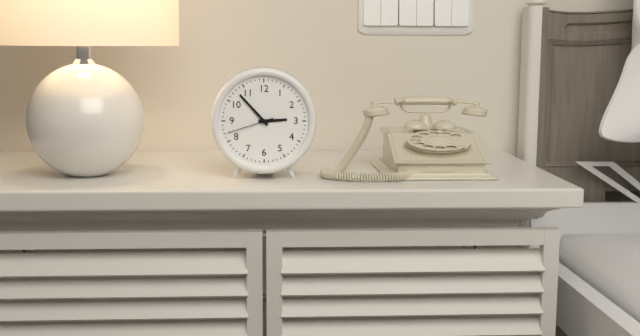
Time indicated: 2:53
